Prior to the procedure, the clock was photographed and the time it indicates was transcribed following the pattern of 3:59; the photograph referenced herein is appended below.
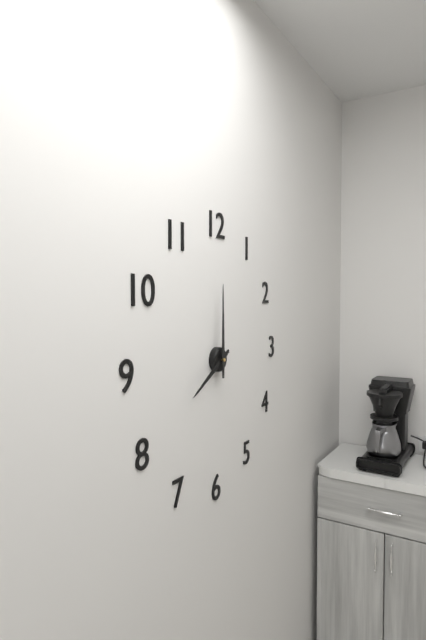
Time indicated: 8:00
